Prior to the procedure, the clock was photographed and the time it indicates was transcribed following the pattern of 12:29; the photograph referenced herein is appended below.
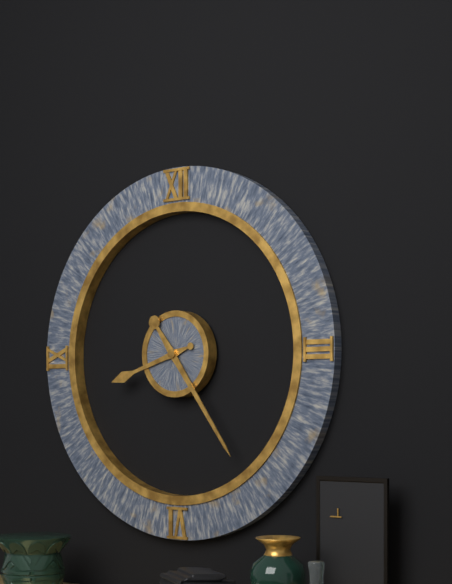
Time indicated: 8:24
